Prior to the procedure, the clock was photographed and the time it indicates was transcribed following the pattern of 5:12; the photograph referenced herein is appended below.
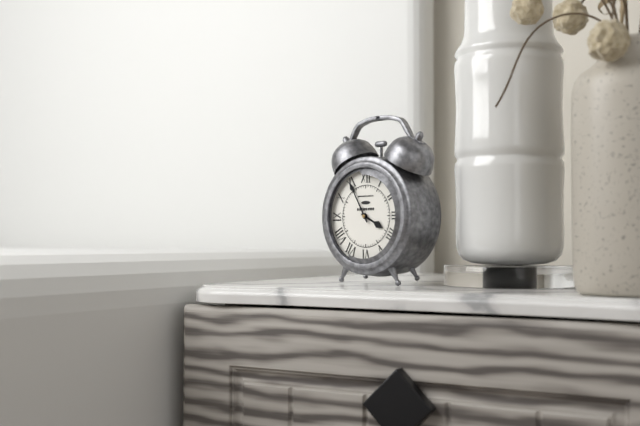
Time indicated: 3:55
